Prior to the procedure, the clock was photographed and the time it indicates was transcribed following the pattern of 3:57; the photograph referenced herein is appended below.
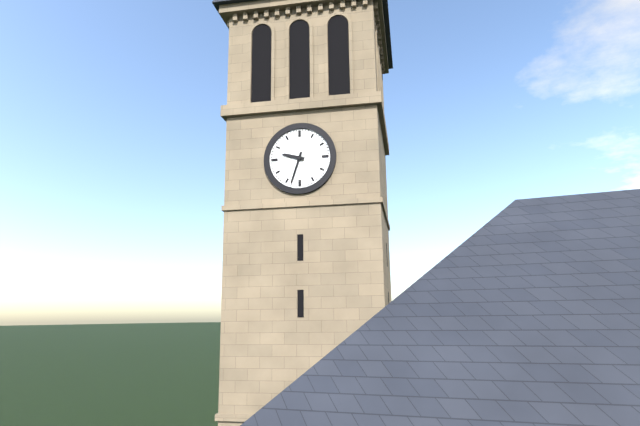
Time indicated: 9:33
